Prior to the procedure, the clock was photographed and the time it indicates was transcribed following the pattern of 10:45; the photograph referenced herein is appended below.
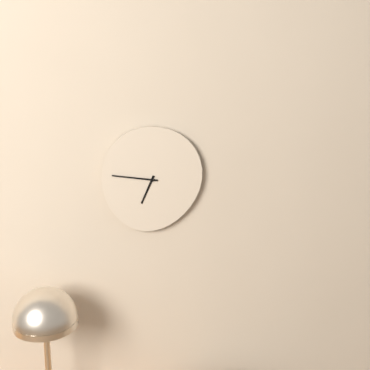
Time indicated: 6:46
